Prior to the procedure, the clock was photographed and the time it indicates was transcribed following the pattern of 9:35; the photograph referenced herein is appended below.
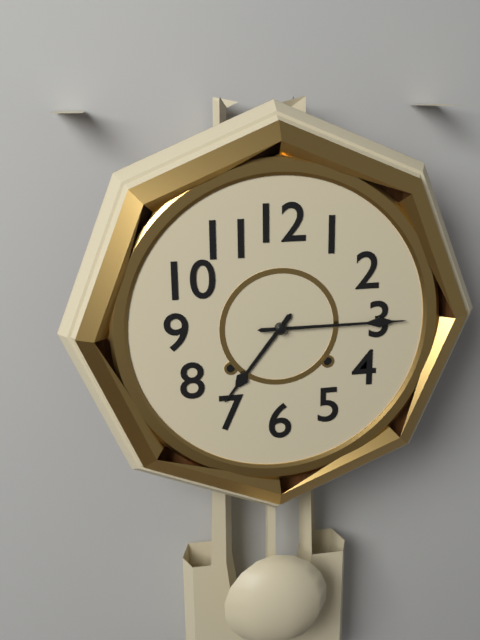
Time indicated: 7:15
